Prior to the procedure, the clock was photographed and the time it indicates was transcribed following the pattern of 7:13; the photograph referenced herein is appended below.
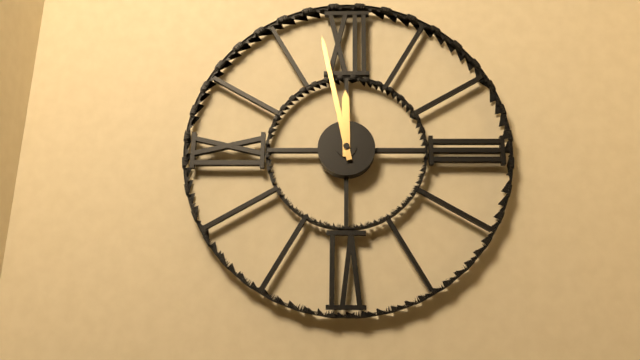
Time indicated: 11:58
